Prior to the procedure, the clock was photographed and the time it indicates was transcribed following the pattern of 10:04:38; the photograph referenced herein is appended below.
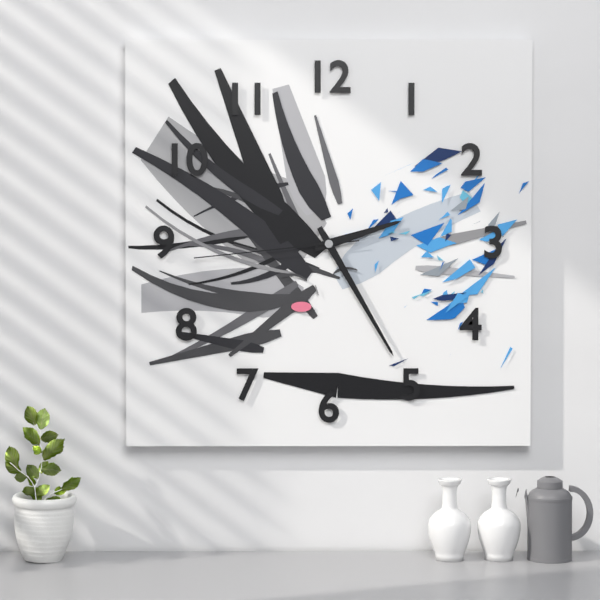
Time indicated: 2:25:44
